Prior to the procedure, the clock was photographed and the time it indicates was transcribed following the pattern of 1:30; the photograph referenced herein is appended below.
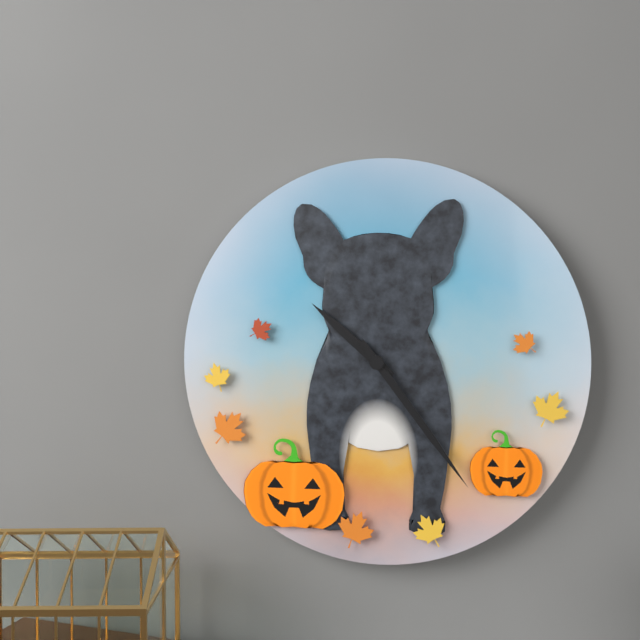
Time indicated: 10:24
